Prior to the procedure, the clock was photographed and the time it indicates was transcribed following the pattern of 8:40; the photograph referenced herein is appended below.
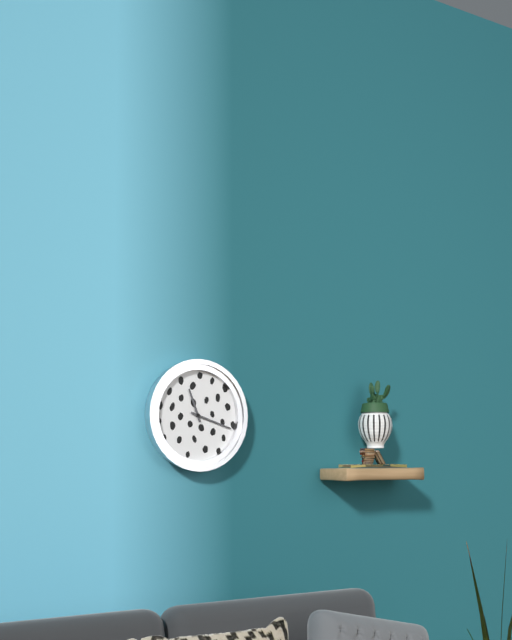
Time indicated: 11:18
